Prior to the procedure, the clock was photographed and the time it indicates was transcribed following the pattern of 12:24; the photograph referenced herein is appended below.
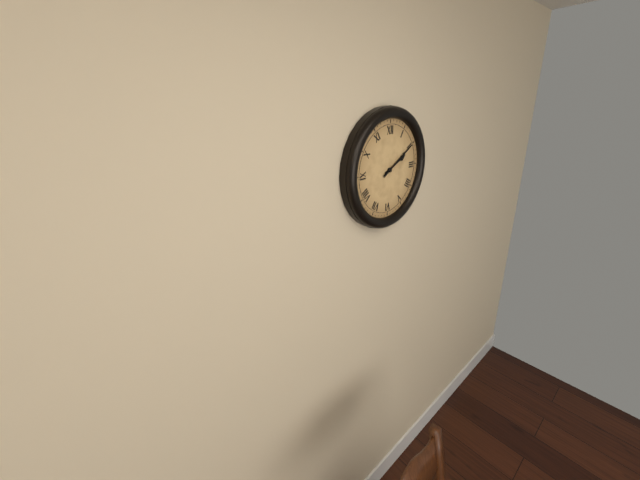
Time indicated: 2:10
